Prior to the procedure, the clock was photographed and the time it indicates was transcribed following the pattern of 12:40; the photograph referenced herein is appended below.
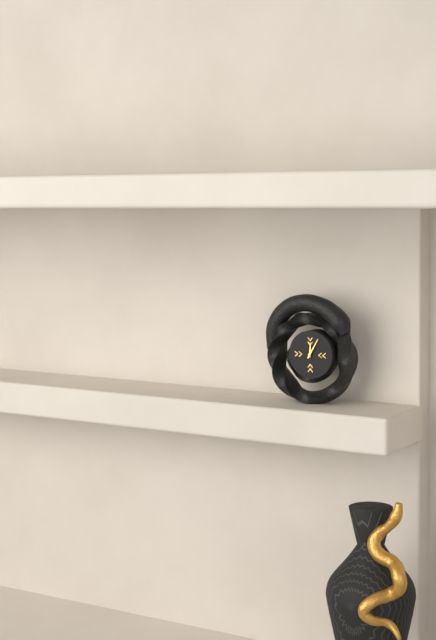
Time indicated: 12:05
